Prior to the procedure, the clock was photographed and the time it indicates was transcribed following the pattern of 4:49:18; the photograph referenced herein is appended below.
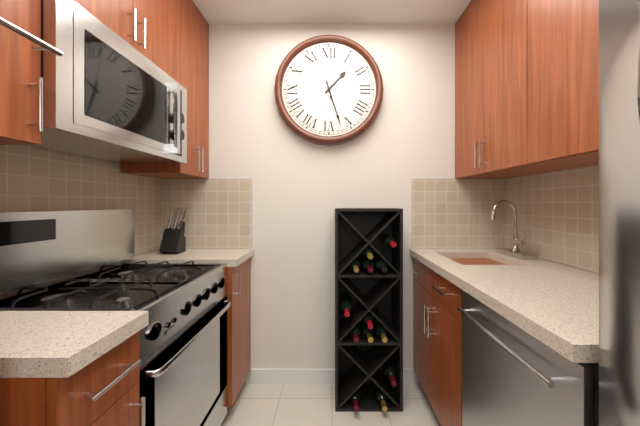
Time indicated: 1:27:58
